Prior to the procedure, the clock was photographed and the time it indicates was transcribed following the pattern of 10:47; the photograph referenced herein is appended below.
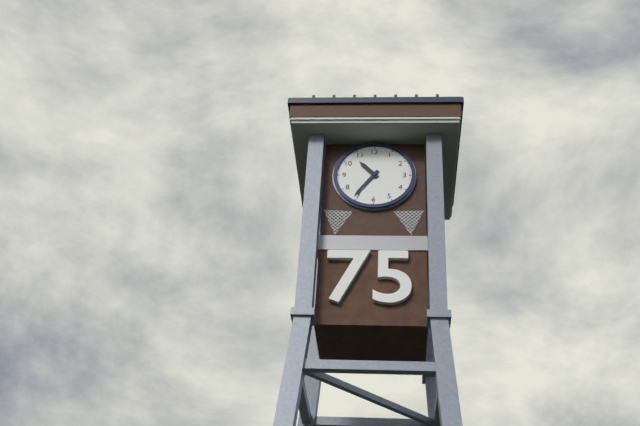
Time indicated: 10:36
